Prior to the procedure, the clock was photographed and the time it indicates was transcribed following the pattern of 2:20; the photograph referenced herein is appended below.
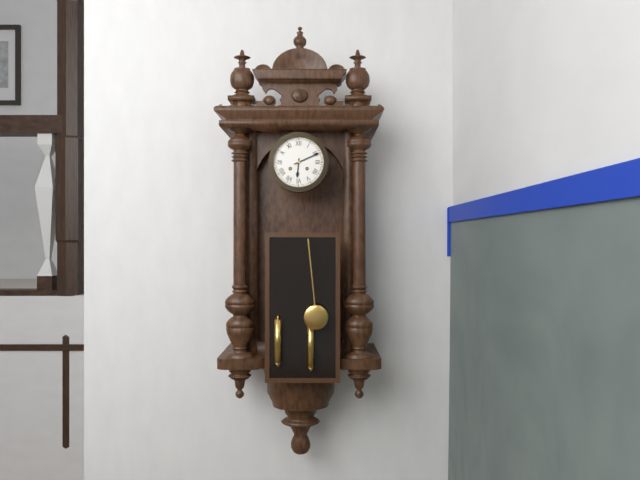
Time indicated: 6:11
